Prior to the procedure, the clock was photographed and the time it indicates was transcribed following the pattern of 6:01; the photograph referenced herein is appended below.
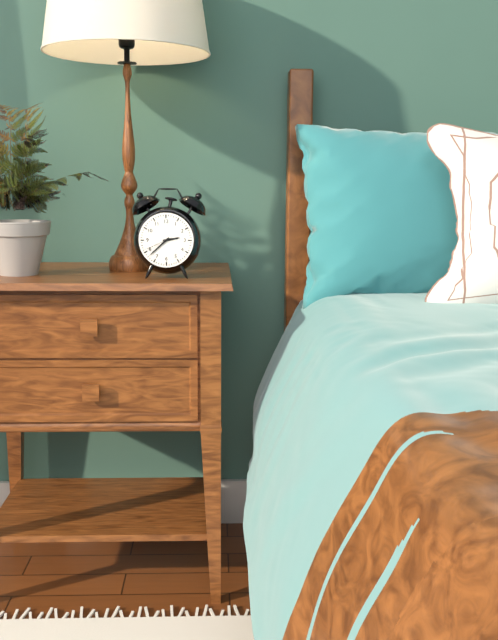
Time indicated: 2:38
